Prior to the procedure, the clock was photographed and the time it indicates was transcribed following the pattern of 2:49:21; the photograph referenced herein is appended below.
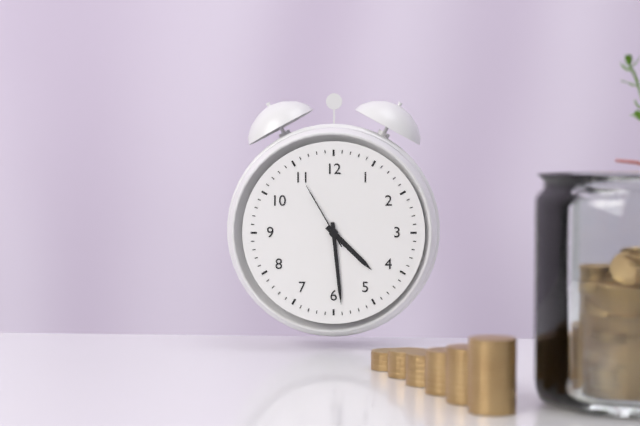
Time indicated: 4:29:55
